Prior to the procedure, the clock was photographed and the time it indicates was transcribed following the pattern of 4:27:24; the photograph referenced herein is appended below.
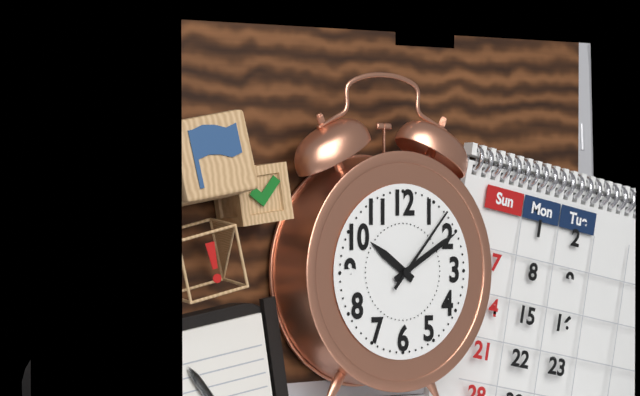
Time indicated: 10:10:07
